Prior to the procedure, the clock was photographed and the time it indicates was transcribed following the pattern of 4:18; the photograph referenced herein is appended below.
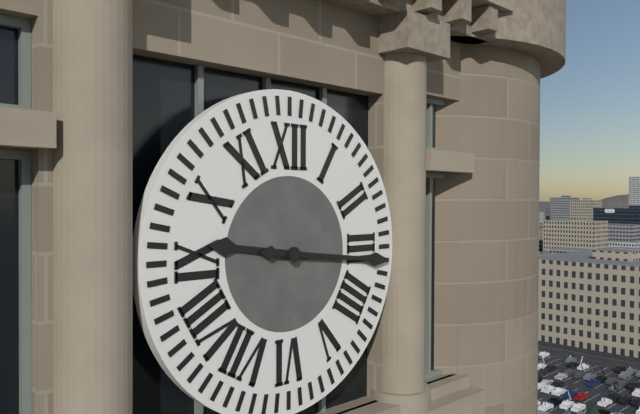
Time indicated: 9:16
